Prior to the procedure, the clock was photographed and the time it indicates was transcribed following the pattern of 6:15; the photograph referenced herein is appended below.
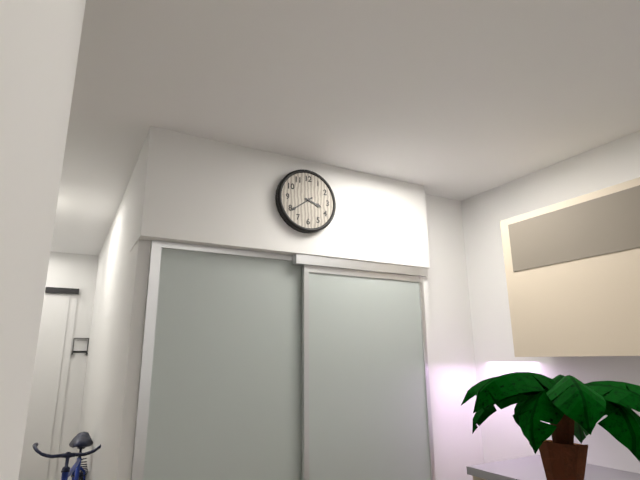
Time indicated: 3:39
